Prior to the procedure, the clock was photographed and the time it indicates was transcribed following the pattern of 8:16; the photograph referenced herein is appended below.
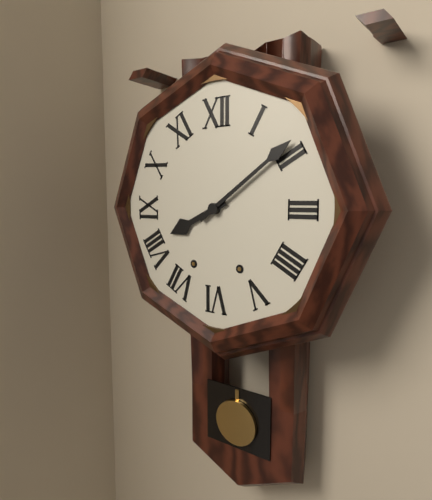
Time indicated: 8:09
